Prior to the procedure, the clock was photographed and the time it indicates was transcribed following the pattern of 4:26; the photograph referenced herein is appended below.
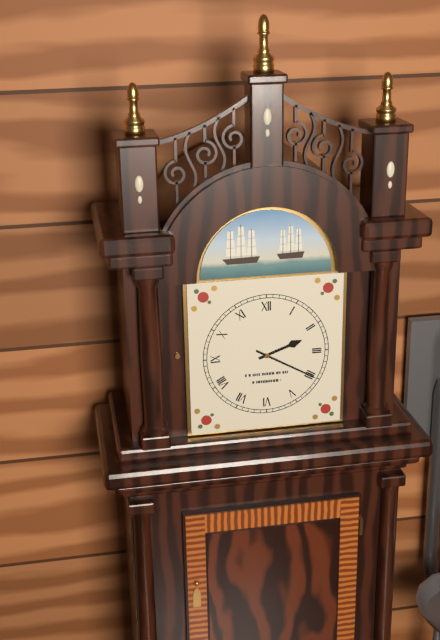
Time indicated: 2:20
